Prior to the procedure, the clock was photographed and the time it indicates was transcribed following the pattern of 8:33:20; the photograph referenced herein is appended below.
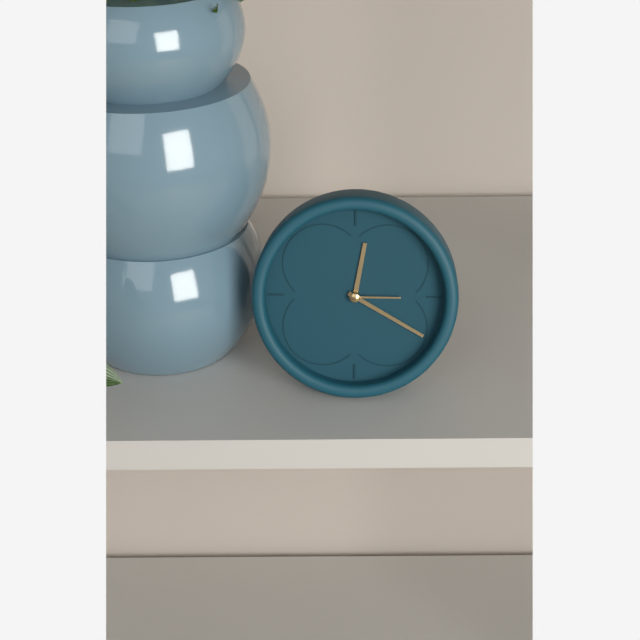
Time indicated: 12:20:15
